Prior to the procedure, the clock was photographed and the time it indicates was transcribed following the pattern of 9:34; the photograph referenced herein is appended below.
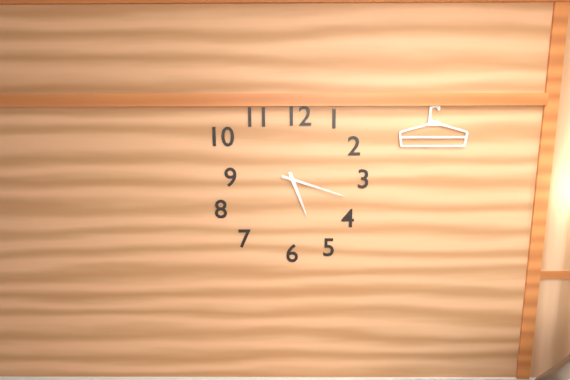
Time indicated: 5:18
